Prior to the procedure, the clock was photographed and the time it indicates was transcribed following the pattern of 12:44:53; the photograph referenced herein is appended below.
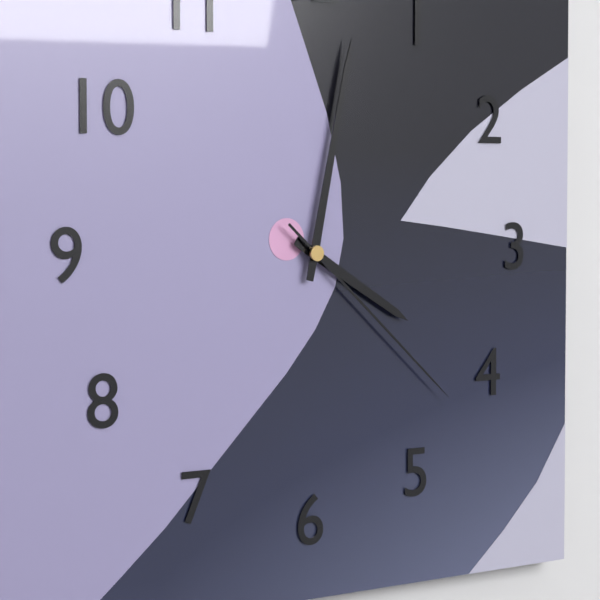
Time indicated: 4:02:22
